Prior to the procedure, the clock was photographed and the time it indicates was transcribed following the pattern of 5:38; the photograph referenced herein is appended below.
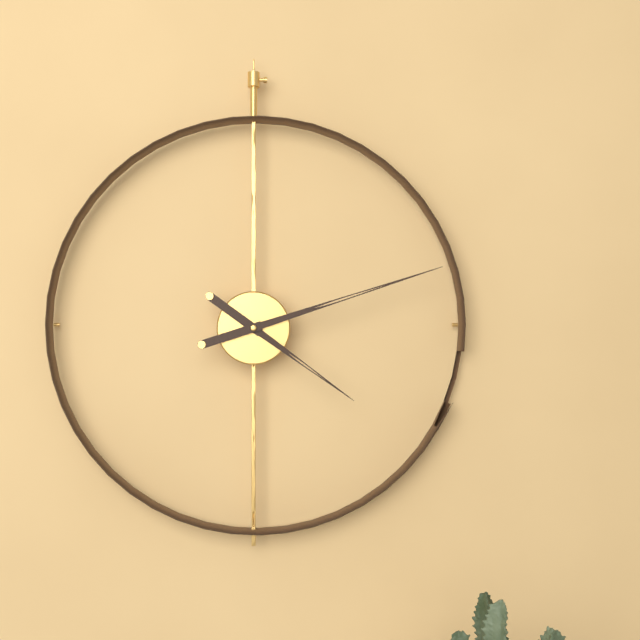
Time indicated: 4:12
